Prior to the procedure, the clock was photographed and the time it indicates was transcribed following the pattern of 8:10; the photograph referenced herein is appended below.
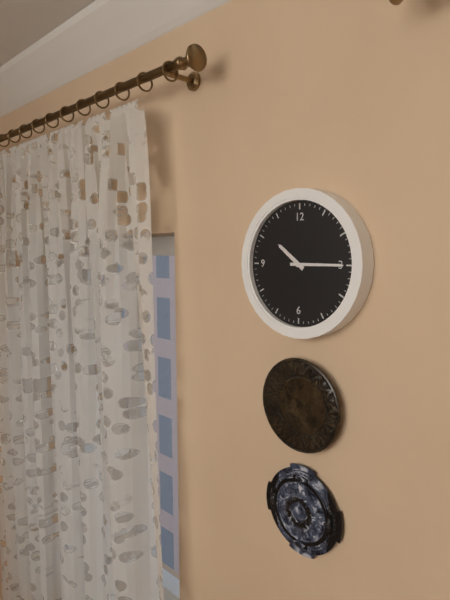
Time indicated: 10:15
